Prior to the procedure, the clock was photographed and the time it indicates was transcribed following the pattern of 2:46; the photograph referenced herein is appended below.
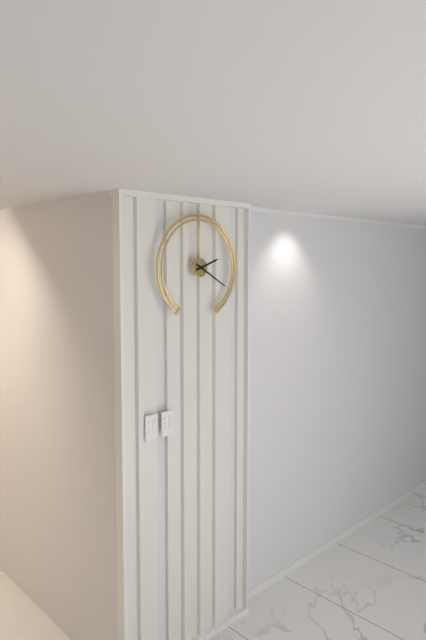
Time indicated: 2:20
